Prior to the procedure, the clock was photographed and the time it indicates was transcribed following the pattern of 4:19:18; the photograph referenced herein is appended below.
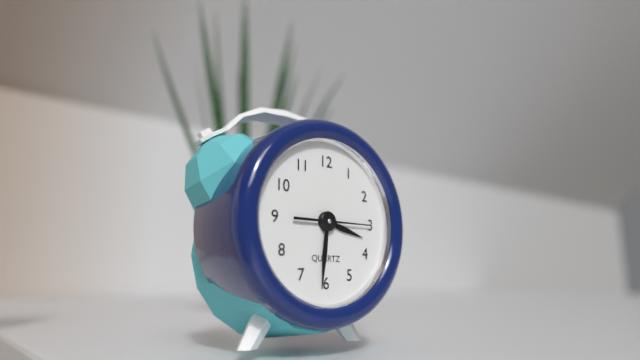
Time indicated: 3:31:15
